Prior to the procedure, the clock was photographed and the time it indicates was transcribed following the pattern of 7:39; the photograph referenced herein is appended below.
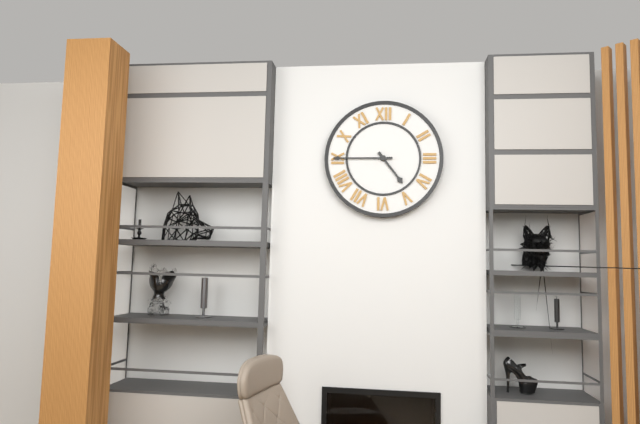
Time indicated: 4:45
